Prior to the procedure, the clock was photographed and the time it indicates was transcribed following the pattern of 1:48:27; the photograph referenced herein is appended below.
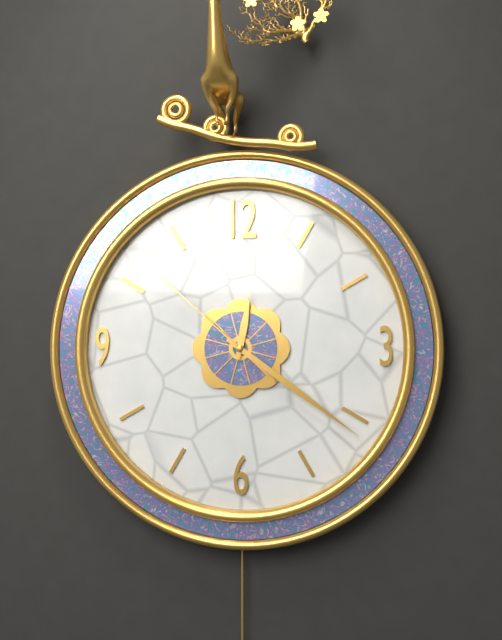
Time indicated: 12:21:52
